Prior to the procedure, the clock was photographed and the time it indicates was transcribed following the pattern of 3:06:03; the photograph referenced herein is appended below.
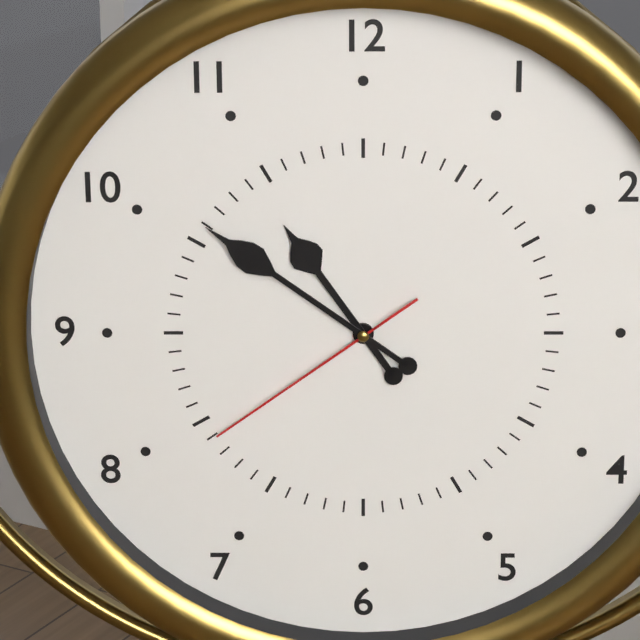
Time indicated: 10:51:39
